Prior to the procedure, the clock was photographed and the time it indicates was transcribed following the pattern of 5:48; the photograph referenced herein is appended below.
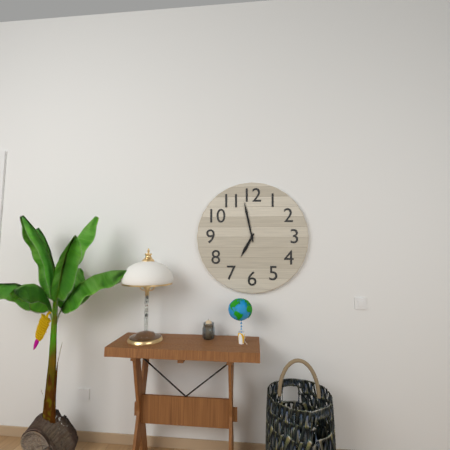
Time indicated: 6:58
